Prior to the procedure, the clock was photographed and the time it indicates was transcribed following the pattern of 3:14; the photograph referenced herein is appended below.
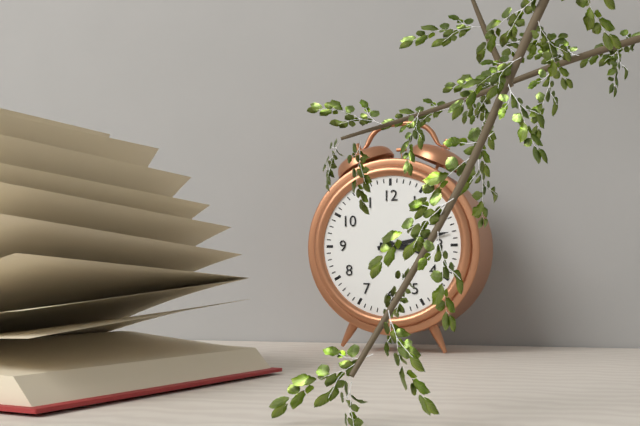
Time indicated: 3:13
